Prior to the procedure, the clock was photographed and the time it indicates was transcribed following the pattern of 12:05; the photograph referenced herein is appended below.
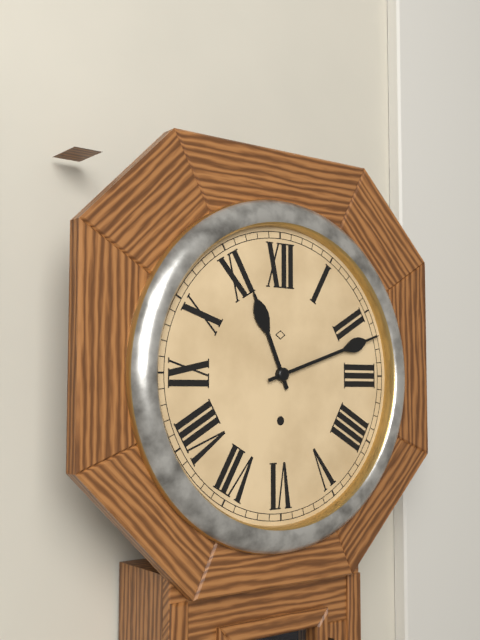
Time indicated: 11:12
